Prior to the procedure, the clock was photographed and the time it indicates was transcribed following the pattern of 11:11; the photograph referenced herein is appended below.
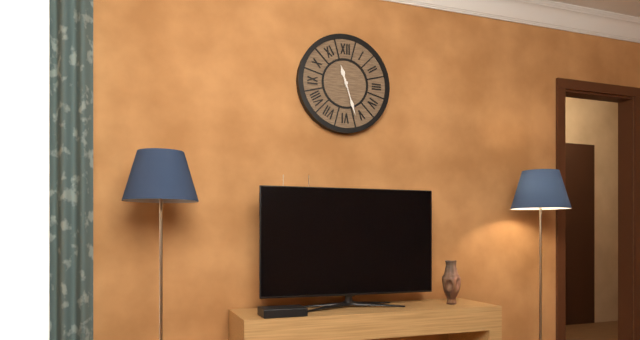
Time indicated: 11:27
